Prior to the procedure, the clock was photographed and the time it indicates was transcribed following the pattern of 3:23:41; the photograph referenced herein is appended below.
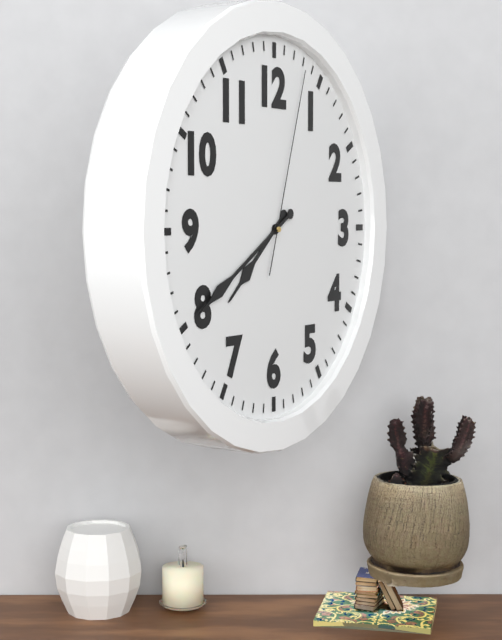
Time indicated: 7:40:03
